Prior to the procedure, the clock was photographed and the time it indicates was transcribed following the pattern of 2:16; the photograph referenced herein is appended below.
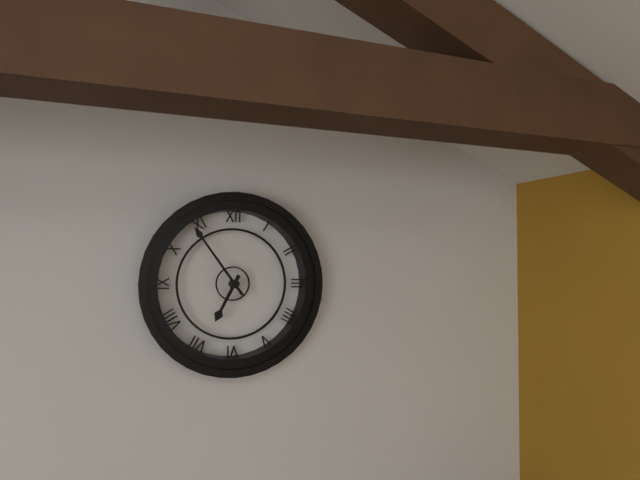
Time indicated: 6:54
